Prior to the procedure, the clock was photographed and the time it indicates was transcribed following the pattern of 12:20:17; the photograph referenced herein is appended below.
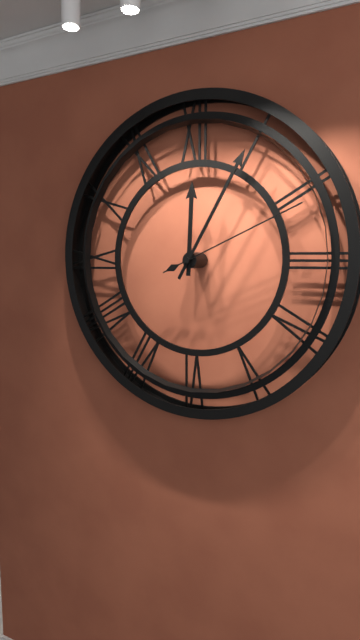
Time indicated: 12:05:11
